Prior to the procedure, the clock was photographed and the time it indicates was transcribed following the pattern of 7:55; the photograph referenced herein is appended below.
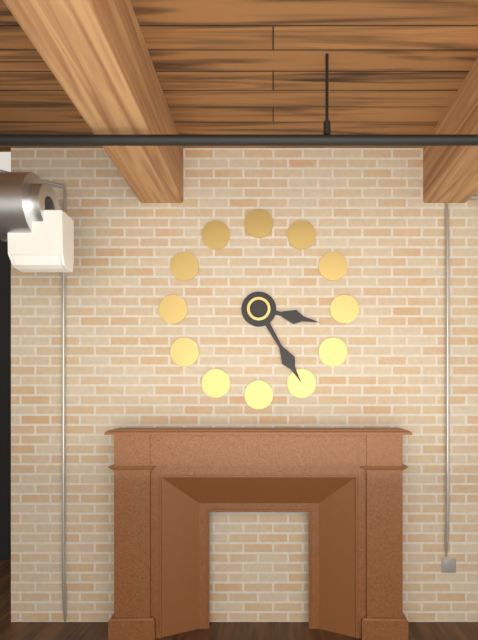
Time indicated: 3:25
